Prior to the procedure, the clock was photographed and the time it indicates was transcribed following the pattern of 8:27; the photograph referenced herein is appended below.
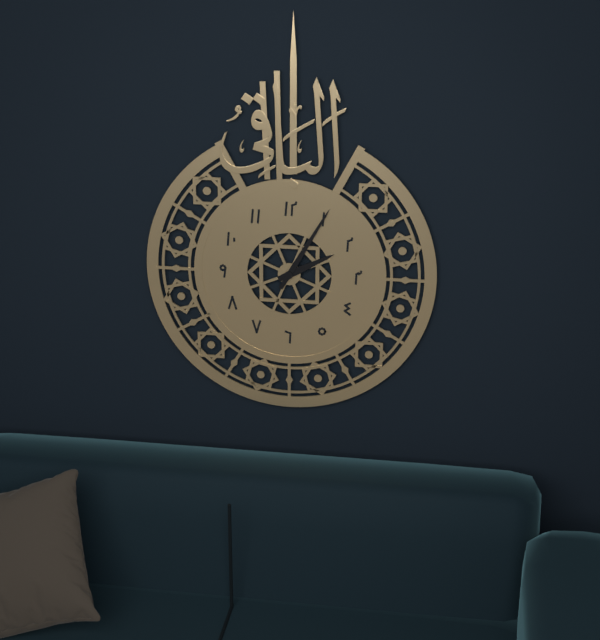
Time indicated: 2:05
